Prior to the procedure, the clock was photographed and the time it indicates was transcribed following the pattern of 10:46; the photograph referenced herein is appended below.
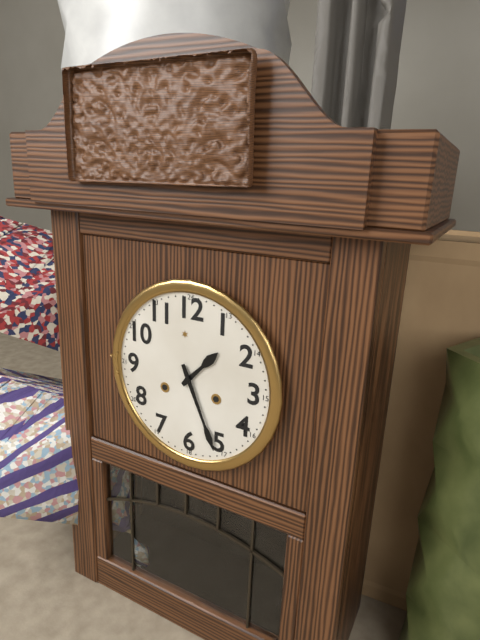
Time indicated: 1:26
